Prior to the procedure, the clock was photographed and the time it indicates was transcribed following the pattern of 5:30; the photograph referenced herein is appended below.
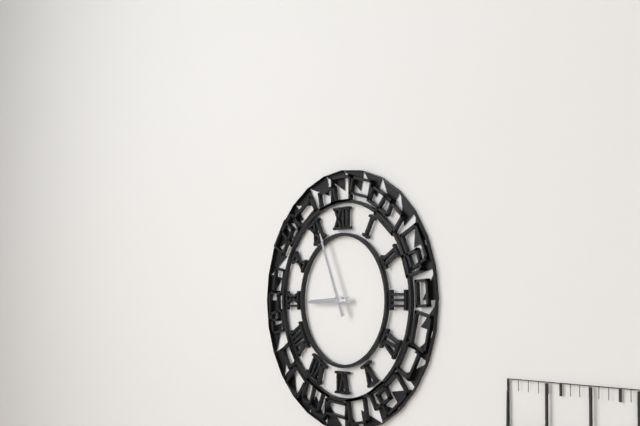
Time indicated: 8:56
